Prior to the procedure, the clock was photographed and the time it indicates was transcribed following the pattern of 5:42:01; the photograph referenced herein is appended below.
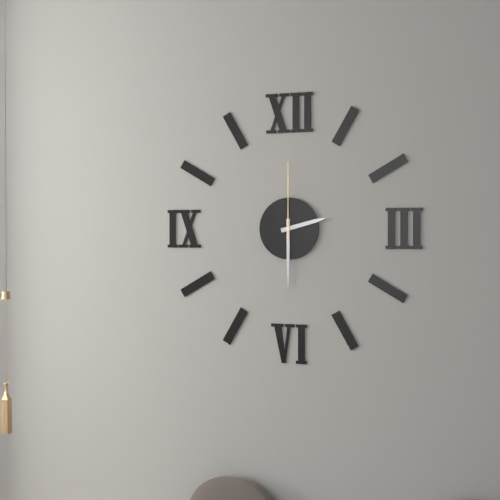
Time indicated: 2:30:00
